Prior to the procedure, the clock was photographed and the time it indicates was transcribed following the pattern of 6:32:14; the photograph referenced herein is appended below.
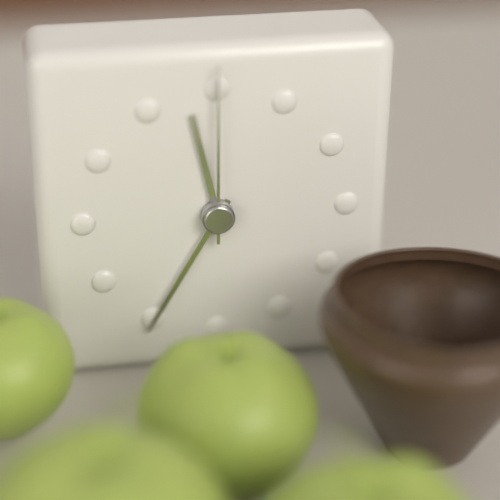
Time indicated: 11:35:00
